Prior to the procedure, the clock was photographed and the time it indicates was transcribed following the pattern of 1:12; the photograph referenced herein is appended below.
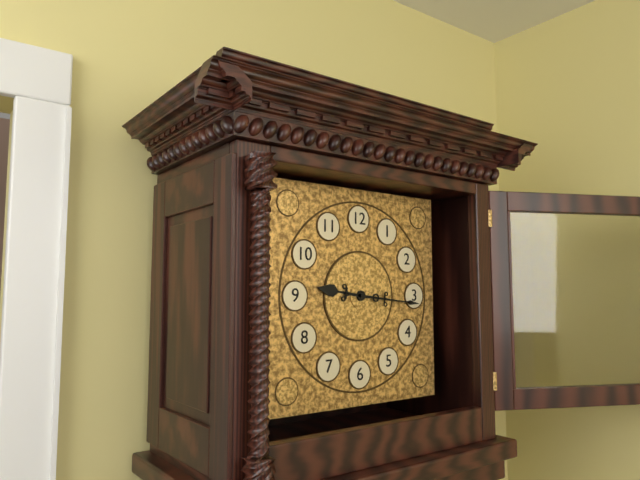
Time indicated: 9:16
